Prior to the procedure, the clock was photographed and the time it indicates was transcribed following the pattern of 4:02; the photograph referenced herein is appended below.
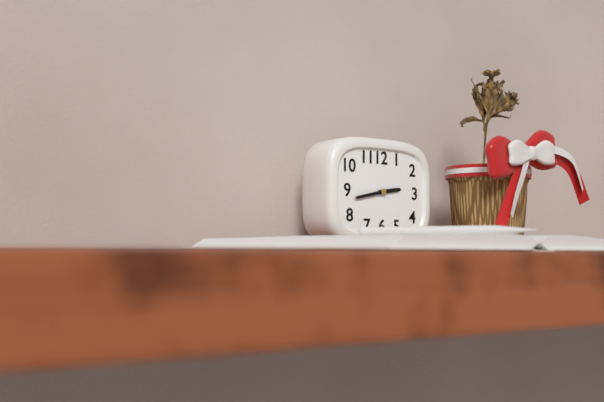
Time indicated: 2:43
